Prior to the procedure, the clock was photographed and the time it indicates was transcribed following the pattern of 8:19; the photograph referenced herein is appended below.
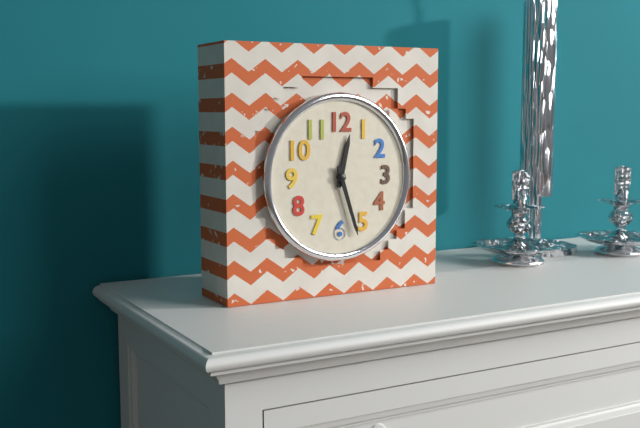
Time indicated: 12:27
